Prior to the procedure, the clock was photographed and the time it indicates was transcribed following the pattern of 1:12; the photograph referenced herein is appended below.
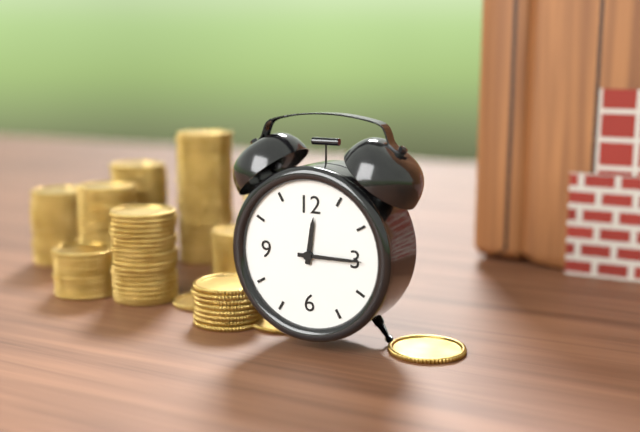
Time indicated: 12:15
